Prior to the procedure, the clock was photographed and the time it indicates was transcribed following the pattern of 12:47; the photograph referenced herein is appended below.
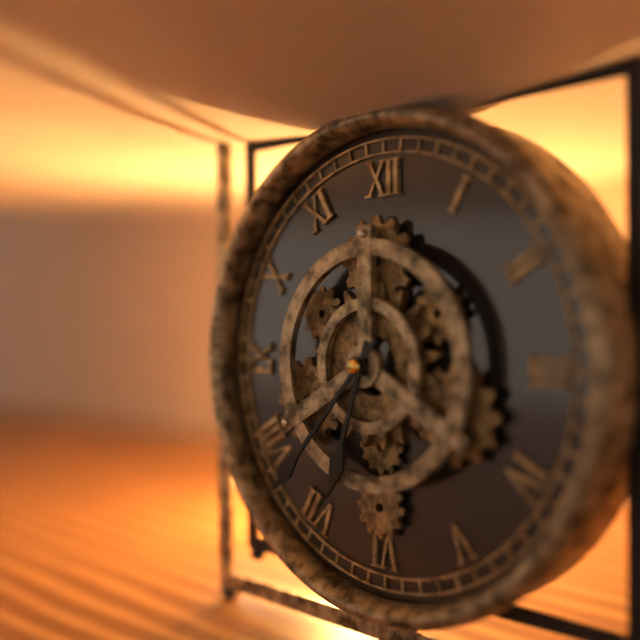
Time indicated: 6:37
